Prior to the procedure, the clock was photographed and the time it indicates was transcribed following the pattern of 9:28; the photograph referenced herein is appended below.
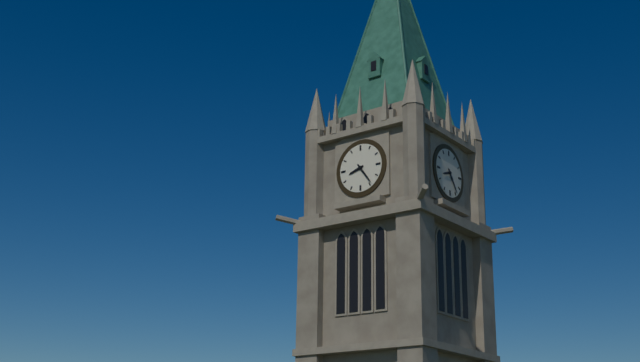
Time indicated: 8:24
